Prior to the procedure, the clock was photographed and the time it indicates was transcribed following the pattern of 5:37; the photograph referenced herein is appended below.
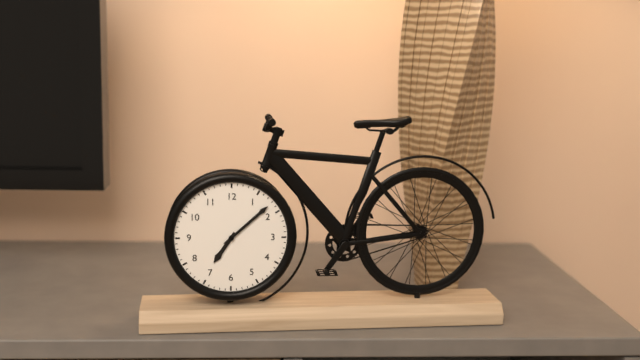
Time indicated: 7:08
